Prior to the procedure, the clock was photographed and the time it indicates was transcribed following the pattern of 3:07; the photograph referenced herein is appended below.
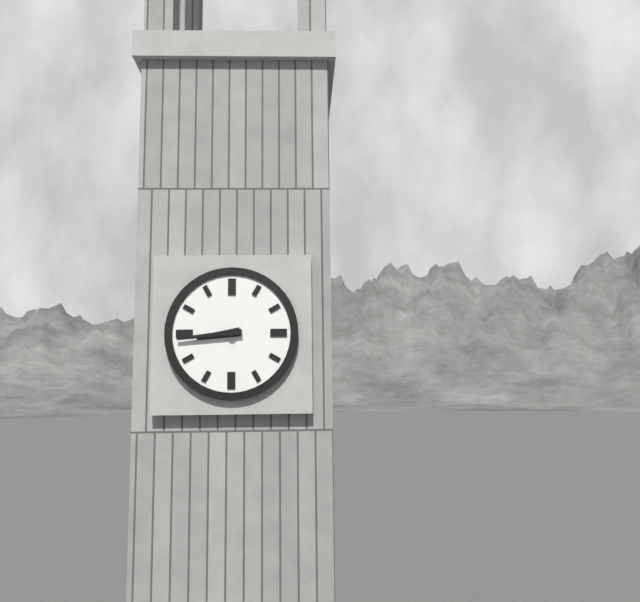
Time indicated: 8:44
